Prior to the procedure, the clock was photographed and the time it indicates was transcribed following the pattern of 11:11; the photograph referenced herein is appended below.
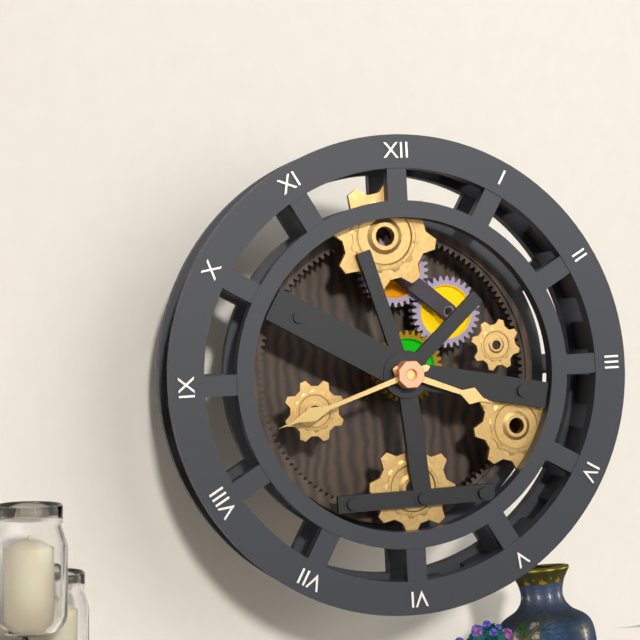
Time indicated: 3:42
